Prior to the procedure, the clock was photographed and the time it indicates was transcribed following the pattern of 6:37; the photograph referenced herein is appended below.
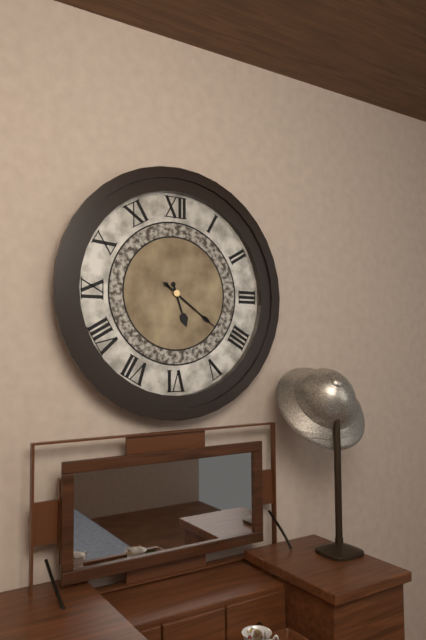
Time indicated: 5:21
